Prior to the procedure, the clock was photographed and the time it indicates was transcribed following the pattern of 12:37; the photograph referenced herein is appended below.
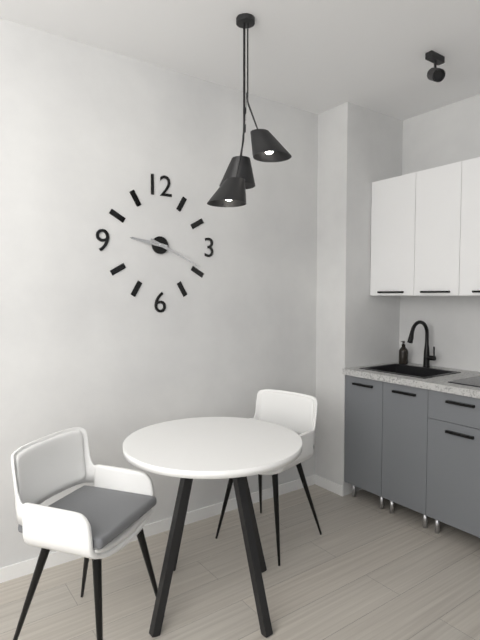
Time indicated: 9:19
